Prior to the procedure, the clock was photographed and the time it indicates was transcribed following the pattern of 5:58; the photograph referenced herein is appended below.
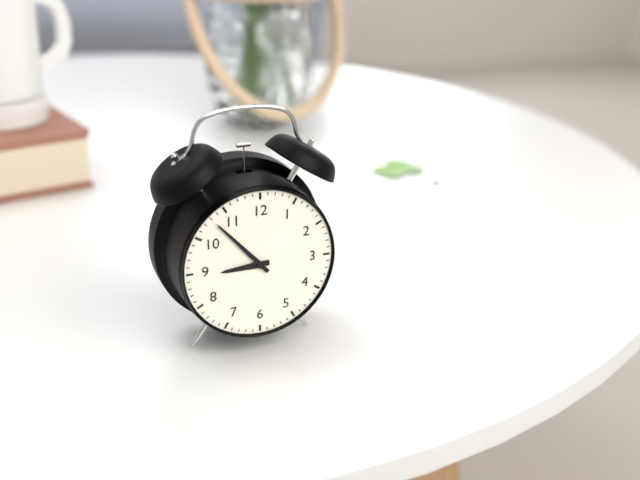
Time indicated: 8:53
